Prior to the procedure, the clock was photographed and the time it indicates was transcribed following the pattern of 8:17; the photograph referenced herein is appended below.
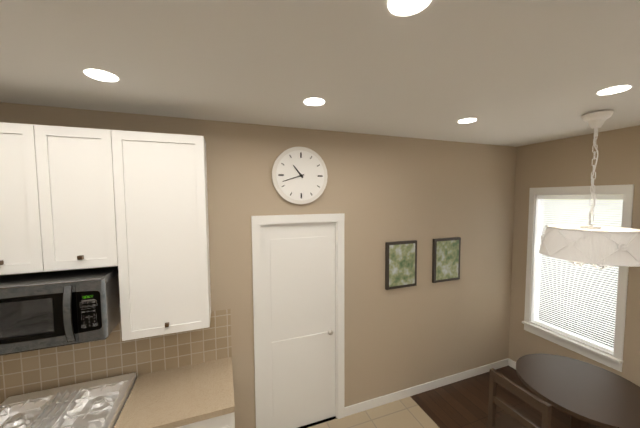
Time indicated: 10:42
